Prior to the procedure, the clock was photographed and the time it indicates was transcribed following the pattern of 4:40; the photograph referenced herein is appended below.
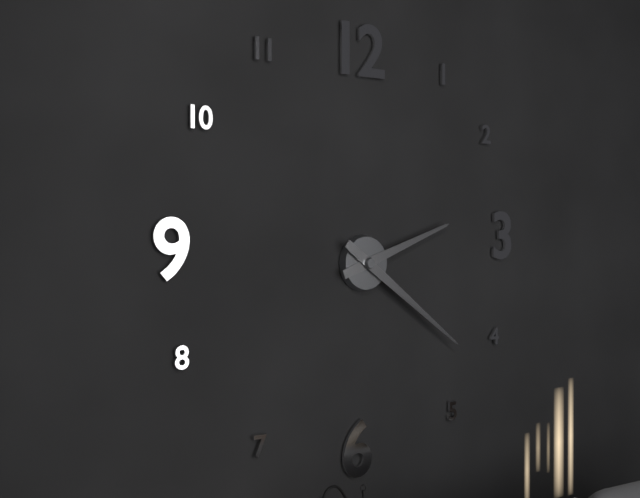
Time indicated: 2:21
